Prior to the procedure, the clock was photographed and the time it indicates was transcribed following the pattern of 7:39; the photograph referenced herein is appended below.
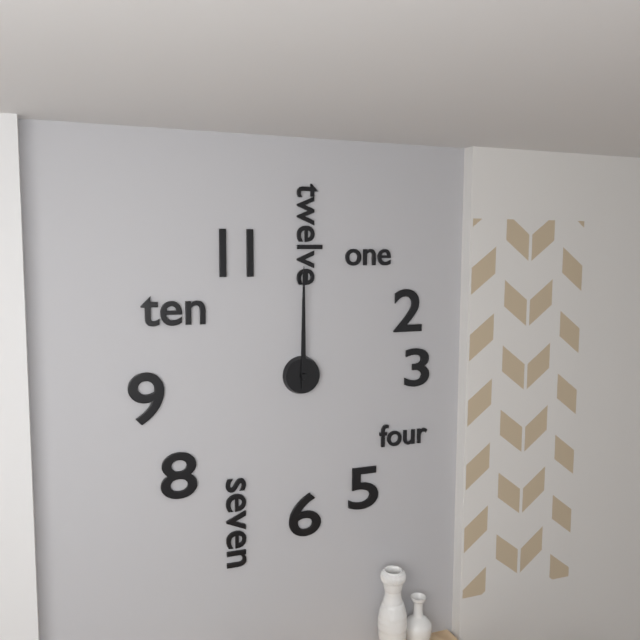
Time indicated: 12:00
